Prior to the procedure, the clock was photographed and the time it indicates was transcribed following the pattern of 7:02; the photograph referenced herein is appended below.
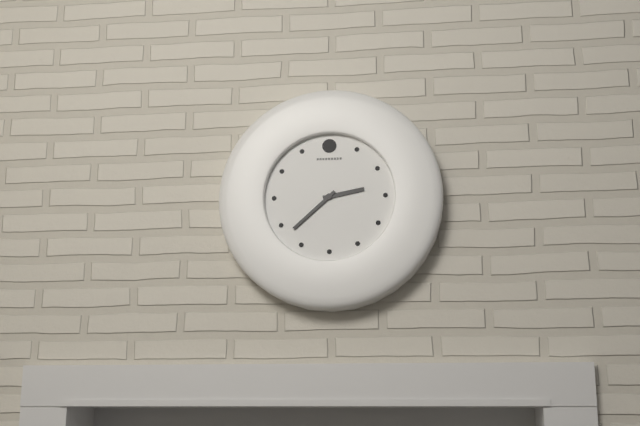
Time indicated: 2:38
